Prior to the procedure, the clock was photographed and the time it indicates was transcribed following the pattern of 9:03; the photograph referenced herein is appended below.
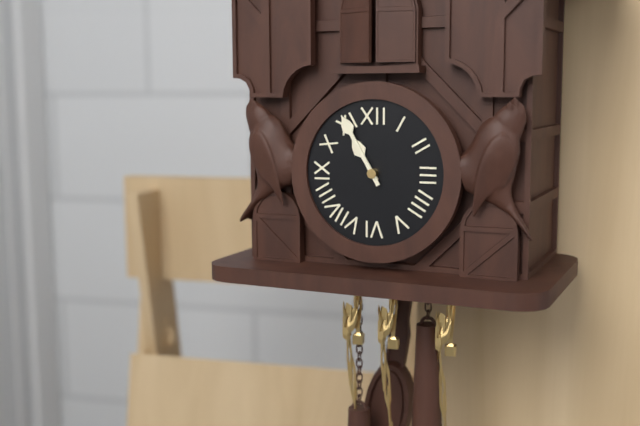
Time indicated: 10:55
